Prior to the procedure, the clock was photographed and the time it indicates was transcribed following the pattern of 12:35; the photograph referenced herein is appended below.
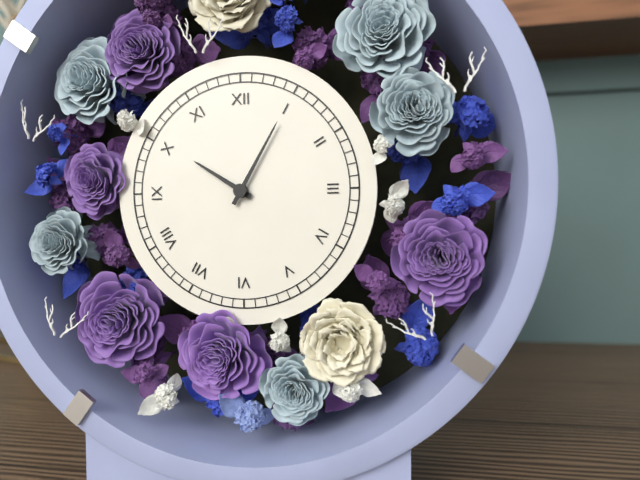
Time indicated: 10:05
